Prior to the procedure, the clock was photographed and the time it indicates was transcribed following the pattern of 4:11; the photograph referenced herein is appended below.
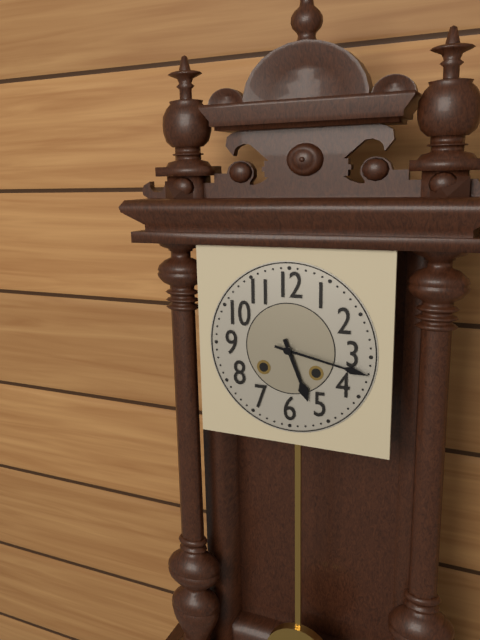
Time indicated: 5:17
